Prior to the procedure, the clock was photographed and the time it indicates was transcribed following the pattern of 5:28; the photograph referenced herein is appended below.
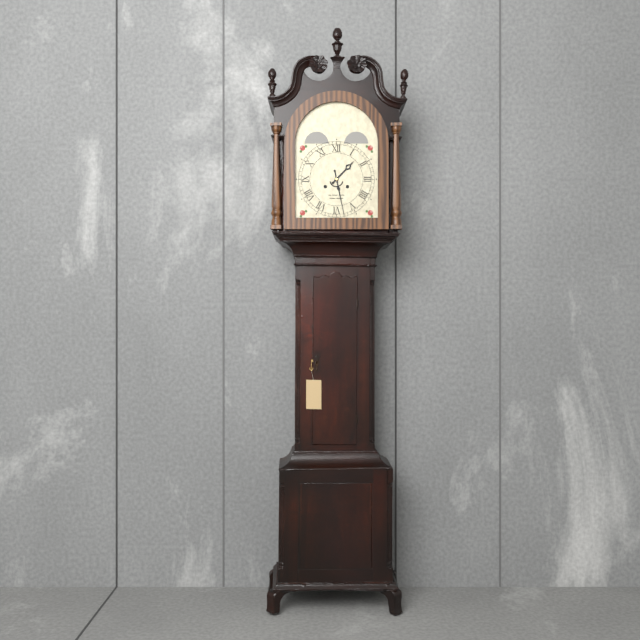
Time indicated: 1:28
